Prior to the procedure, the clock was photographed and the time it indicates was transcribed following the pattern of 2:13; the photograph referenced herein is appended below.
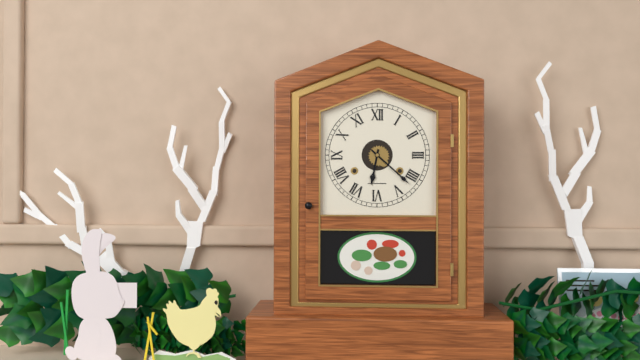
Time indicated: 6:22
